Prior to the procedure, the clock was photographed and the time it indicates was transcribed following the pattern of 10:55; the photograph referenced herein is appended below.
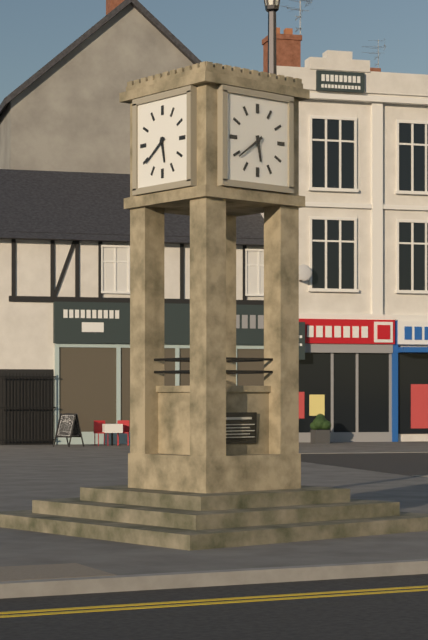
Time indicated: 5:39
